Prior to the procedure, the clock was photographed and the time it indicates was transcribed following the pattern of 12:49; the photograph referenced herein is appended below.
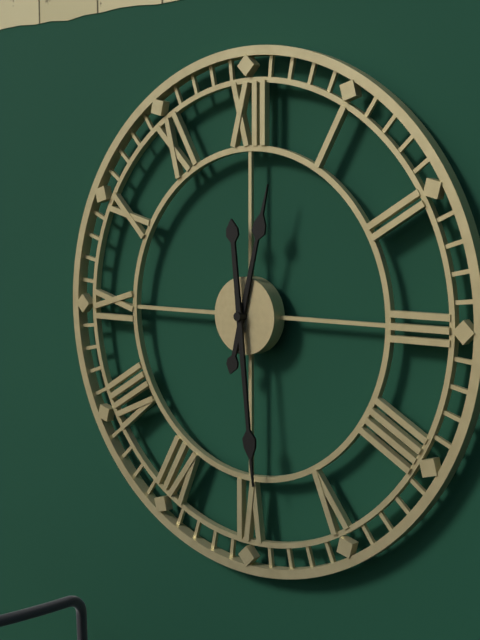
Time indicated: 12:29
